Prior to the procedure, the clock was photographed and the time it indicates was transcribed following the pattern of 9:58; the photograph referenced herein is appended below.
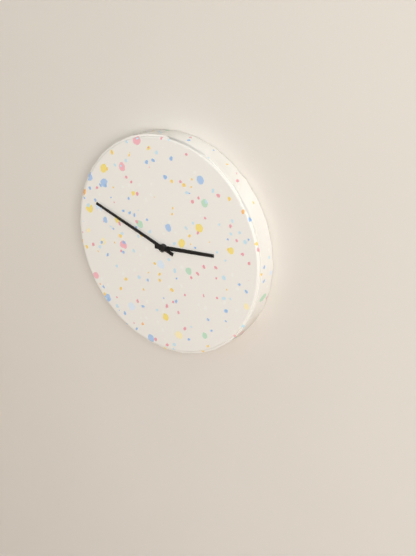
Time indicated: 2:48
